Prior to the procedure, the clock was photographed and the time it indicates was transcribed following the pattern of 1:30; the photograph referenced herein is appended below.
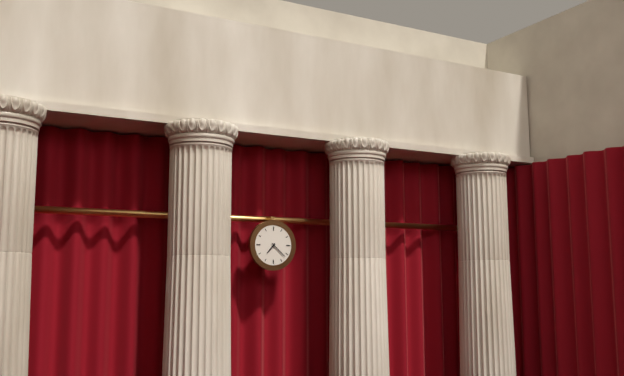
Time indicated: 7:22
